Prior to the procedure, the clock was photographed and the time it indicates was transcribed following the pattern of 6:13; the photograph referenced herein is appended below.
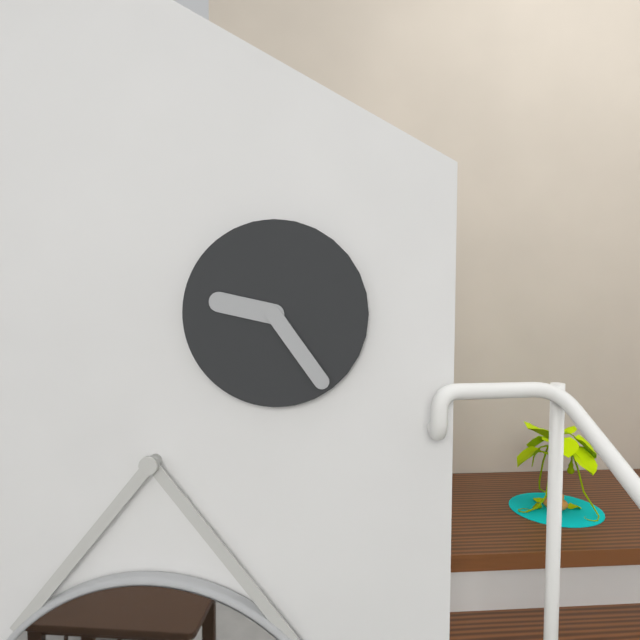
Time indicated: 9:24
